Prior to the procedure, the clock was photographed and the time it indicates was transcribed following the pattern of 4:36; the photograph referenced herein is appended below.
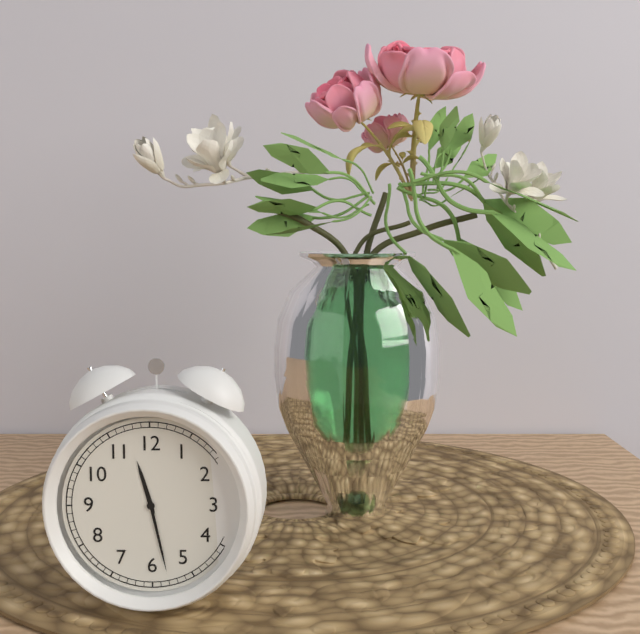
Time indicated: 11:28
